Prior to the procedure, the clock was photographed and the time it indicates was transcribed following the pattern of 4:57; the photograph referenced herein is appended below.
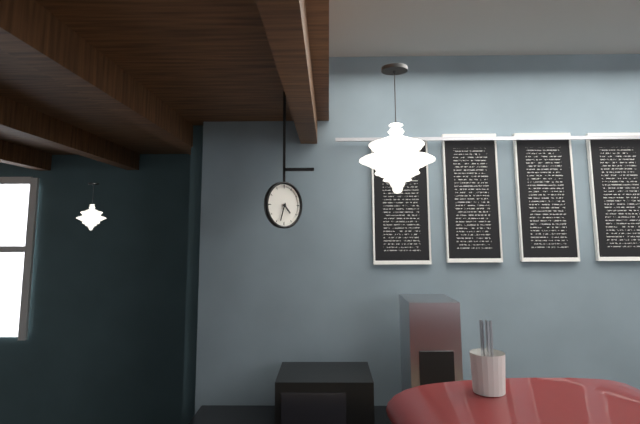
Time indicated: 4:33
